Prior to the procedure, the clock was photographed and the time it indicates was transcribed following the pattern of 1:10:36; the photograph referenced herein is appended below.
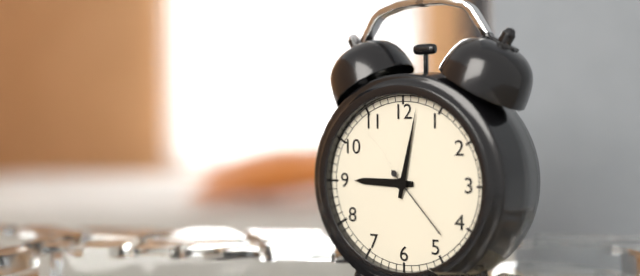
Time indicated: 9:02:23
